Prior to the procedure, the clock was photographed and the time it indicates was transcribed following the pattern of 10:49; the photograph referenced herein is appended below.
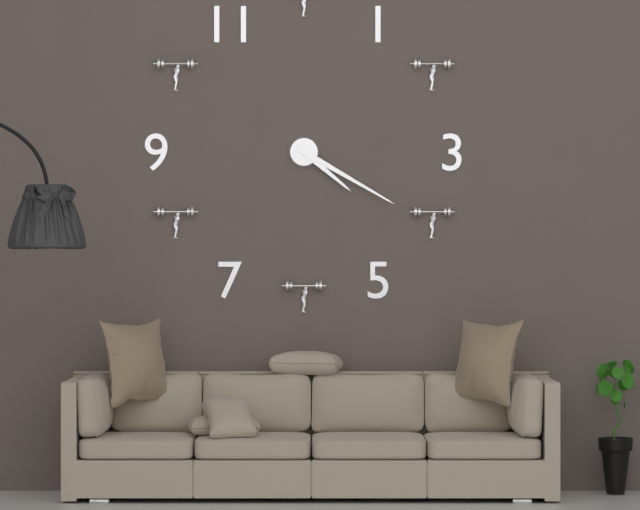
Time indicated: 4:20
